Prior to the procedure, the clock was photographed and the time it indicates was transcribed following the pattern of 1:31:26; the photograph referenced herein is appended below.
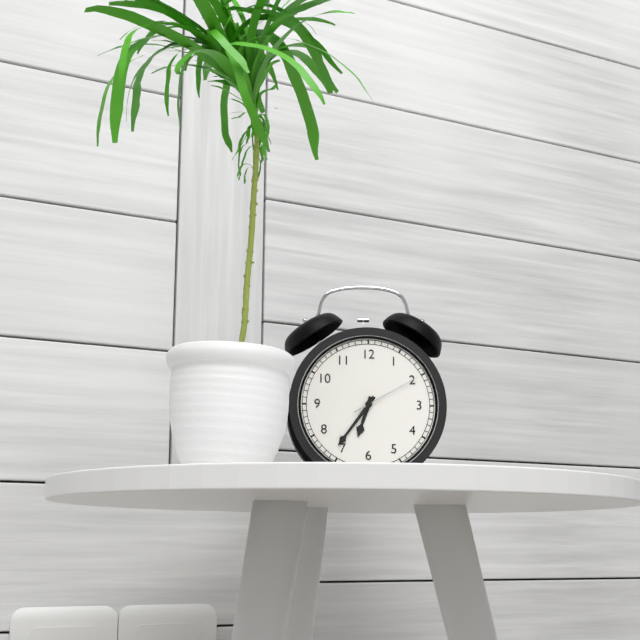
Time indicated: 6:36:10
